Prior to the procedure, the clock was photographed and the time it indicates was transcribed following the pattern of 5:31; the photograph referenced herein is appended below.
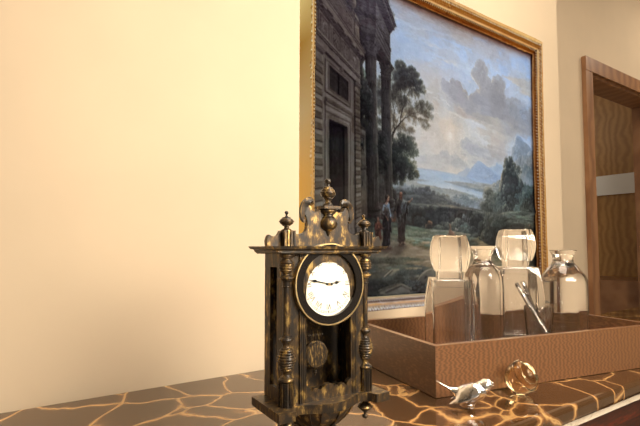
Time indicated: 2:47
